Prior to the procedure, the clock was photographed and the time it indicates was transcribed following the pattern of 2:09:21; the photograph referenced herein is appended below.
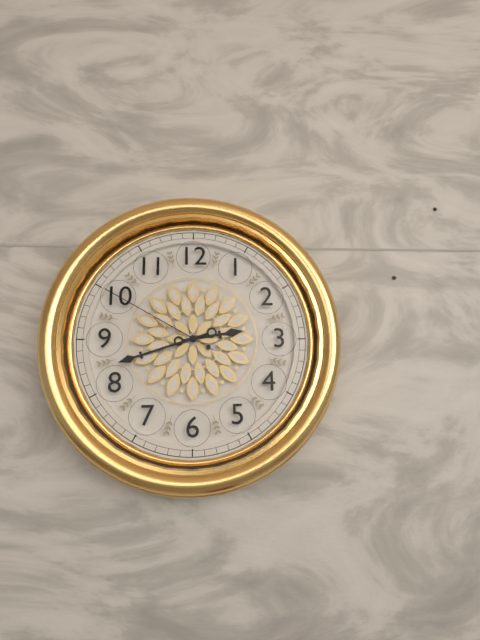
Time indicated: 2:42:50
